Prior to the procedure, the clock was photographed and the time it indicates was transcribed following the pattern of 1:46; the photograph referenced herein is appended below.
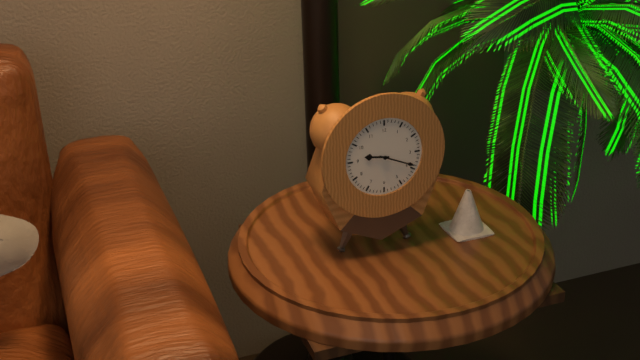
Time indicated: 9:19
